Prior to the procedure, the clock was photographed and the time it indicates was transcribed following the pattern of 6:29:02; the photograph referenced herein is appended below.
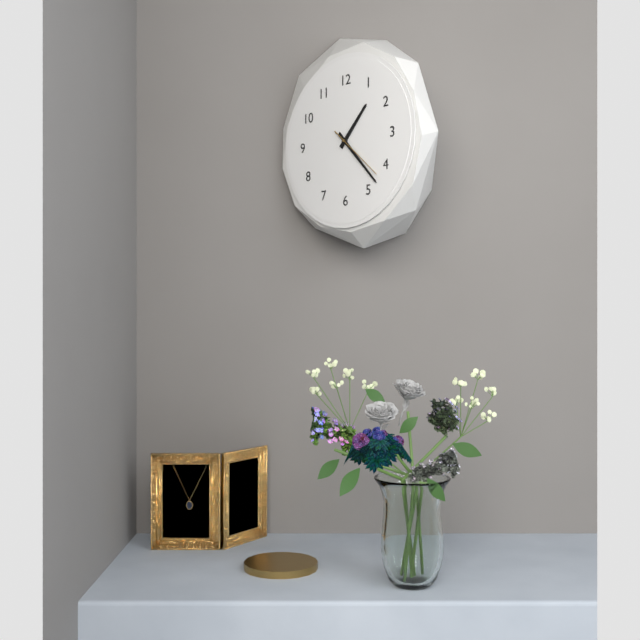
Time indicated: 1:23:22
